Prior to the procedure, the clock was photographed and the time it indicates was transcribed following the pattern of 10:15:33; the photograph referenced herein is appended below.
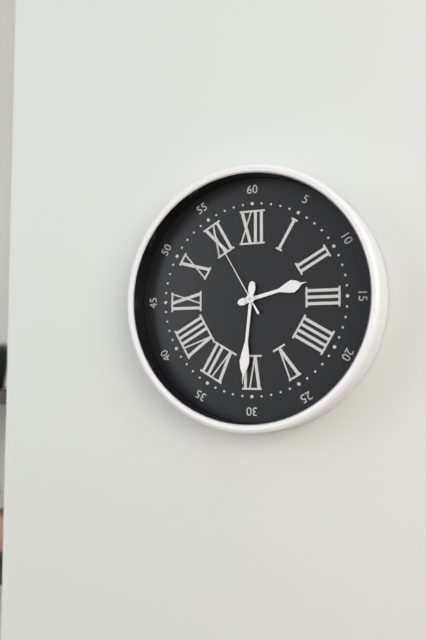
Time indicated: 2:31:55
